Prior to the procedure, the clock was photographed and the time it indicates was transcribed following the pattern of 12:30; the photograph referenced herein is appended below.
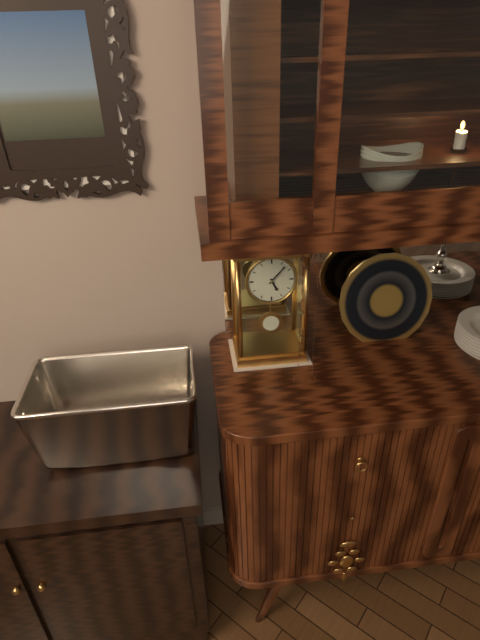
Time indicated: 5:07
